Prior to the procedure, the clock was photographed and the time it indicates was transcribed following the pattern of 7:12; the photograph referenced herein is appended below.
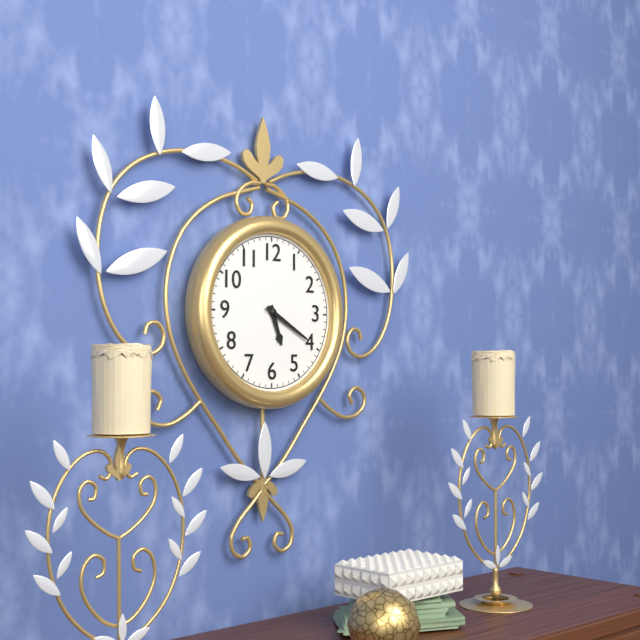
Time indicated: 5:20
